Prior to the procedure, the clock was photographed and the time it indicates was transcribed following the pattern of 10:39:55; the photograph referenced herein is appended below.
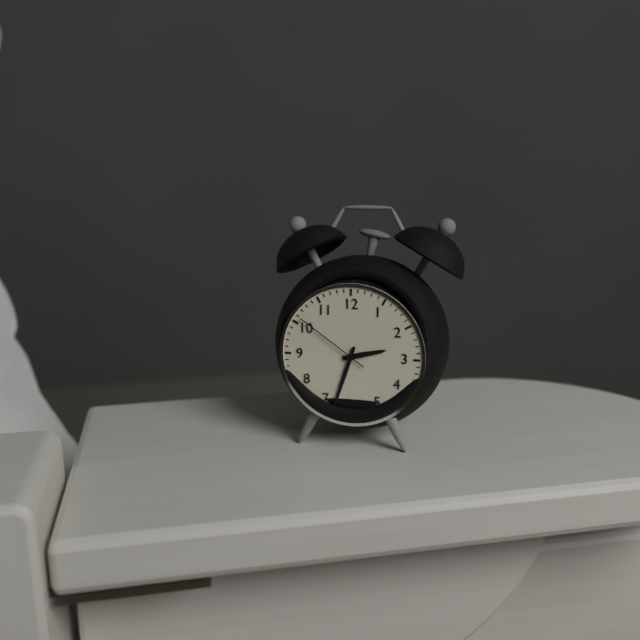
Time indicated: 2:33:51
